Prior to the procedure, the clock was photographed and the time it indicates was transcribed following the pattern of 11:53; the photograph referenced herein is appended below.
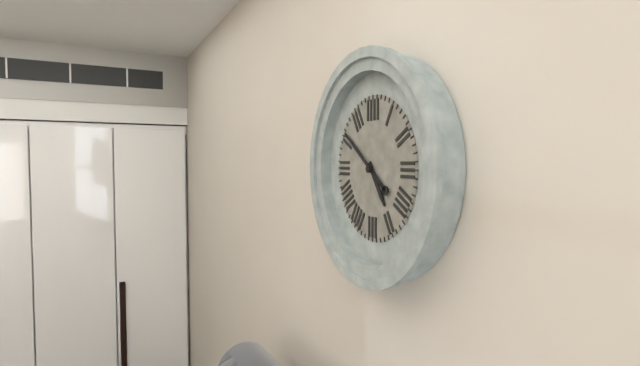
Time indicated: 4:51
